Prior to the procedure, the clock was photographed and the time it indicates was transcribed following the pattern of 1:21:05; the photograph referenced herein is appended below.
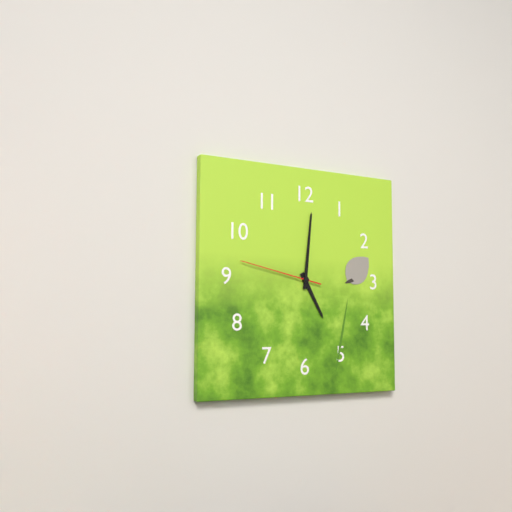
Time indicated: 5:01:47
